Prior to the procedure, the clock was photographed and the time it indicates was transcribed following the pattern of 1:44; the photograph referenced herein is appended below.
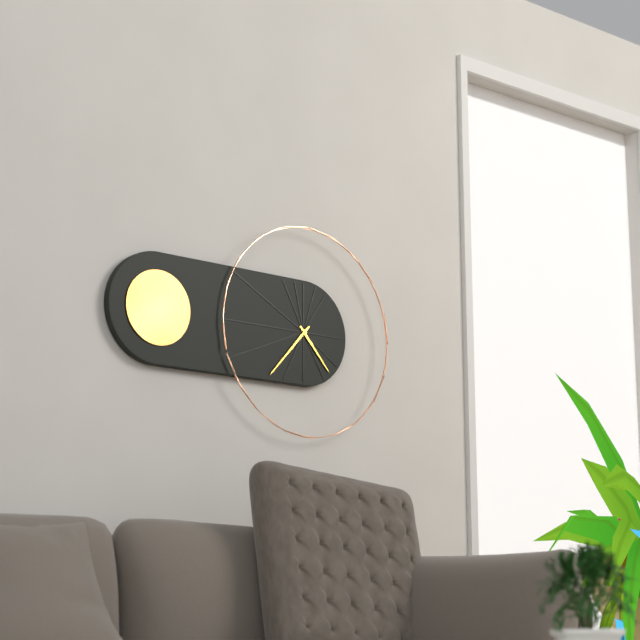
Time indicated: 4:37
